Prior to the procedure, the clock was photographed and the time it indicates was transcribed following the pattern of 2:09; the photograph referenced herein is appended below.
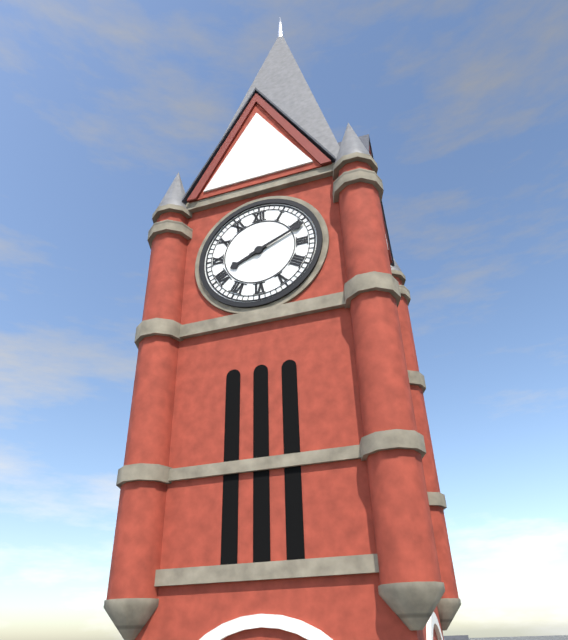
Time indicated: 8:11
